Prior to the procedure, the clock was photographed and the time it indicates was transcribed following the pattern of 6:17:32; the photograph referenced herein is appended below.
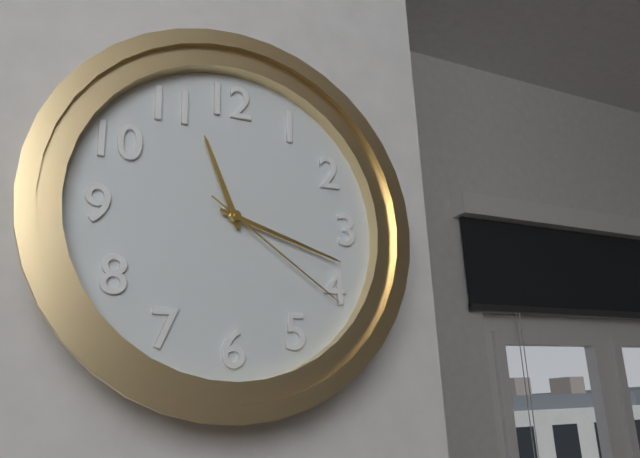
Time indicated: 11:18:21
